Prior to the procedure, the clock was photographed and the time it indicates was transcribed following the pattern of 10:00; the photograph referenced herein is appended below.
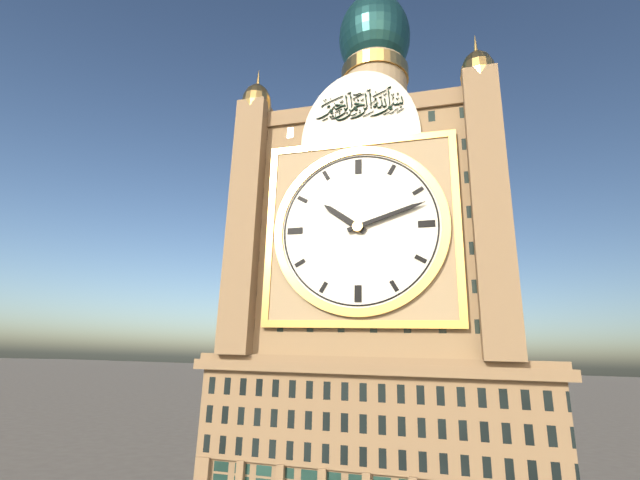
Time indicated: 10:12
